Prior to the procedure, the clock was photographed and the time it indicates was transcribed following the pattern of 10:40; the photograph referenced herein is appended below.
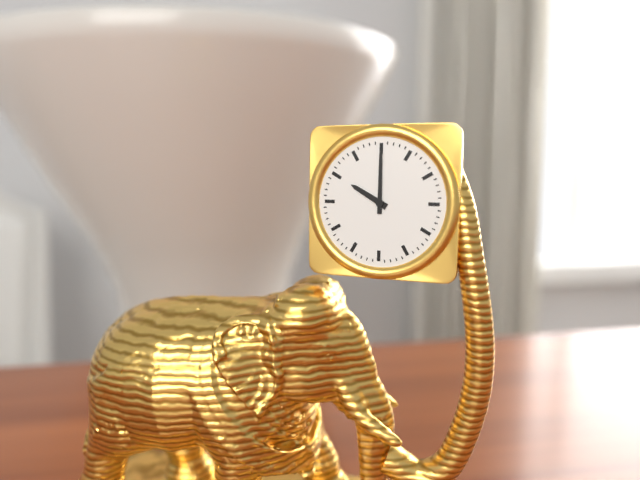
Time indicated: 10:00
